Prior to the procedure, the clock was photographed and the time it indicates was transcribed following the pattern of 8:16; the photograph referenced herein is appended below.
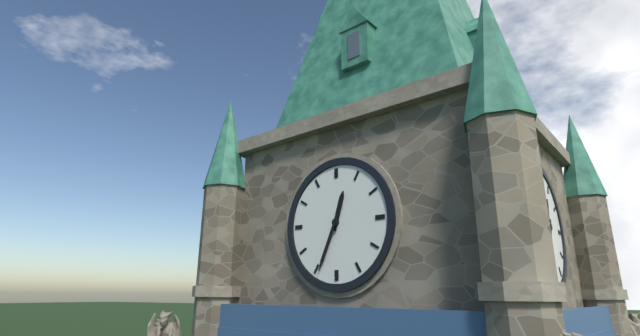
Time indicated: 12:34
